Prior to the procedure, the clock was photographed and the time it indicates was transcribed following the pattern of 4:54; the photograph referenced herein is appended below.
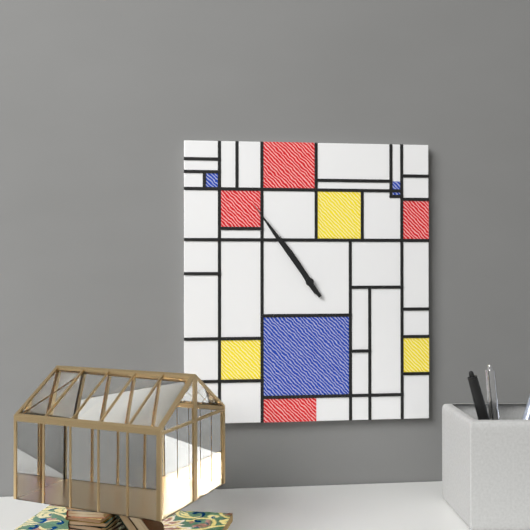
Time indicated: 10:54
